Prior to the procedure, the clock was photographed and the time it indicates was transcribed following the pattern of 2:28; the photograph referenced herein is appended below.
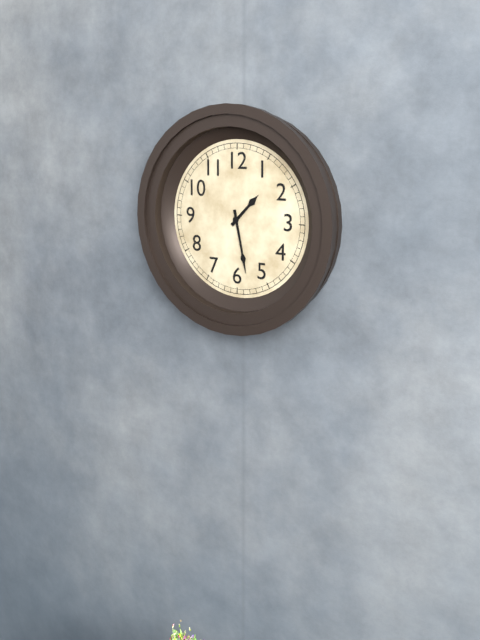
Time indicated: 1:28
